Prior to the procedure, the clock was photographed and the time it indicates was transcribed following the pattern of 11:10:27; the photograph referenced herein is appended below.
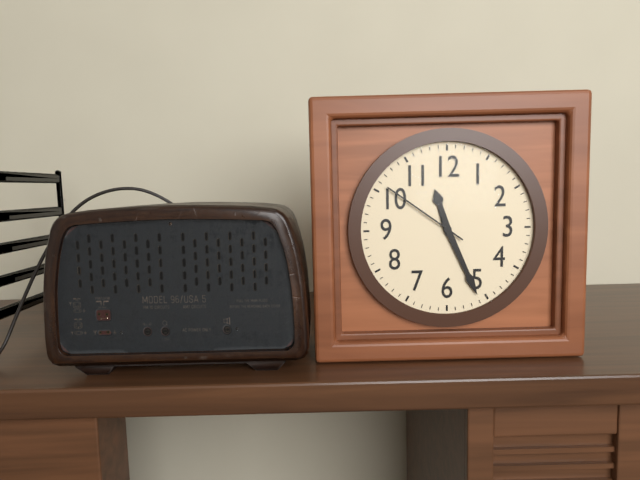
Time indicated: 11:26:51
